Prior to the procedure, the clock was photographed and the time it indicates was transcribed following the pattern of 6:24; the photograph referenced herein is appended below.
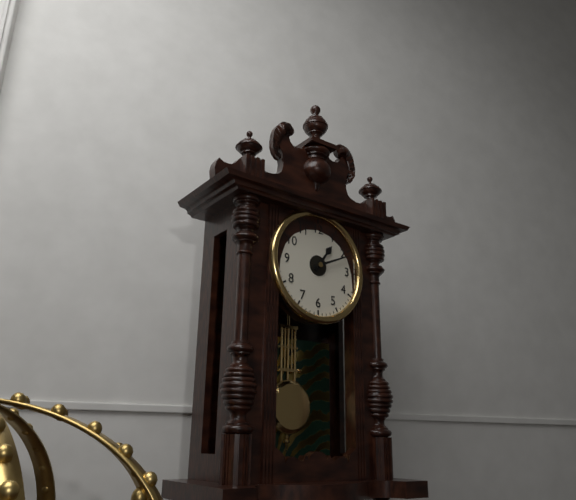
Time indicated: 1:11
